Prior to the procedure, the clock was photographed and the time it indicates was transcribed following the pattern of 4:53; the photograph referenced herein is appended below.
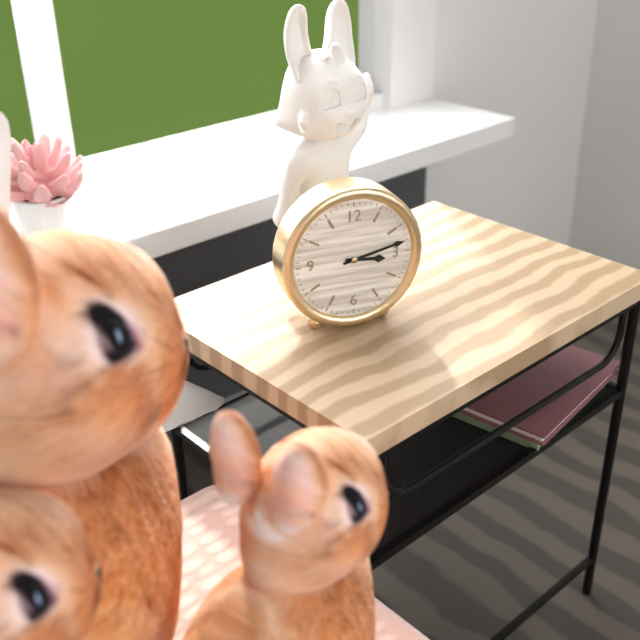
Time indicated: 3:13
